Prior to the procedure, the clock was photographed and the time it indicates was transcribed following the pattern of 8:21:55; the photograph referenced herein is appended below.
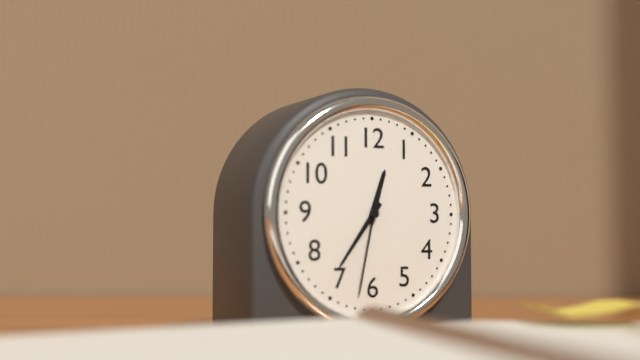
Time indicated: 12:36:32
